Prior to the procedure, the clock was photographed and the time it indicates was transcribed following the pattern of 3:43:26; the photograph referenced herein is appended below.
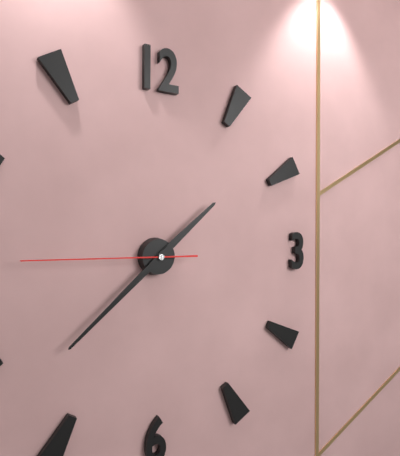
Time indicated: 1:38:45
